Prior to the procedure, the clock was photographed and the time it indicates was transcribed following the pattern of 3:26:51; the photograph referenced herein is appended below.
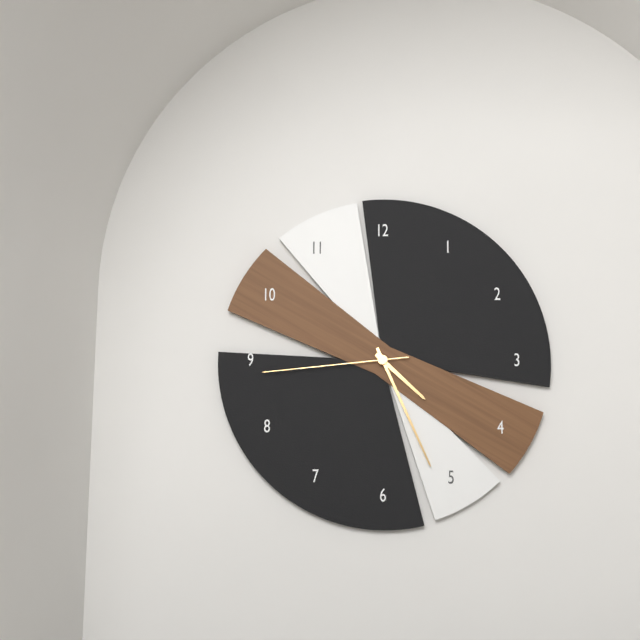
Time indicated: 4:26:44
